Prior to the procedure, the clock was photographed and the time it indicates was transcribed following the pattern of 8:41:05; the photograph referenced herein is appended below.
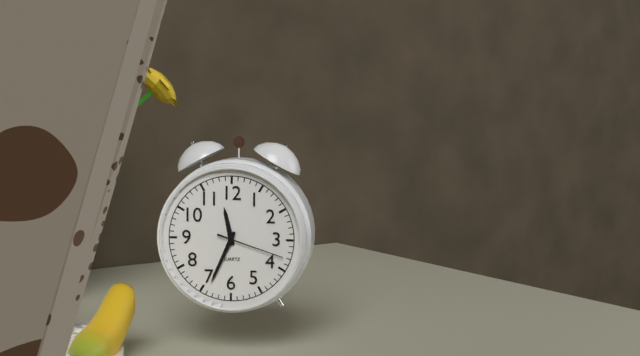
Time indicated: 11:34:18
